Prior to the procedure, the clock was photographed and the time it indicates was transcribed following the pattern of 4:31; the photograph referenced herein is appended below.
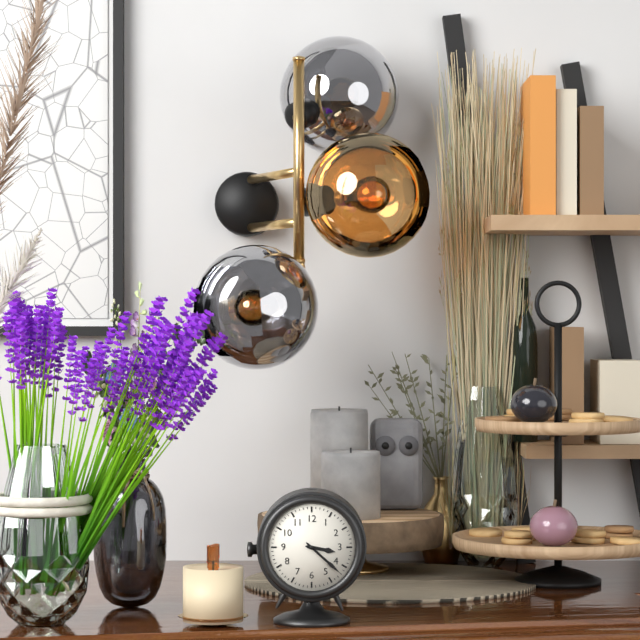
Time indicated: 3:22
